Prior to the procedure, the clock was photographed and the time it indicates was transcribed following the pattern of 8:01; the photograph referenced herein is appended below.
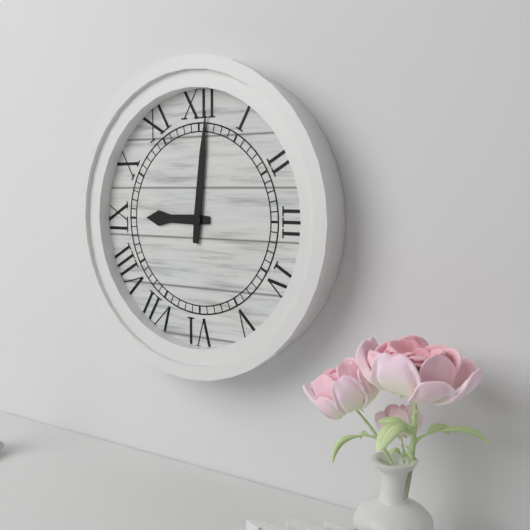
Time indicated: 9:01
